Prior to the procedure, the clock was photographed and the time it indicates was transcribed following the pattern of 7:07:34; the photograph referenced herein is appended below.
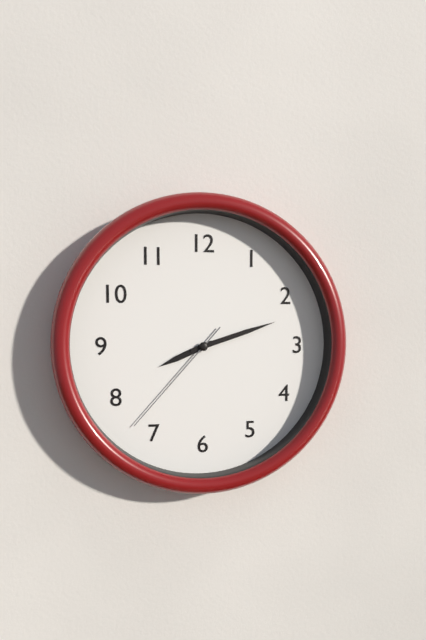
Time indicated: 8:12:37
